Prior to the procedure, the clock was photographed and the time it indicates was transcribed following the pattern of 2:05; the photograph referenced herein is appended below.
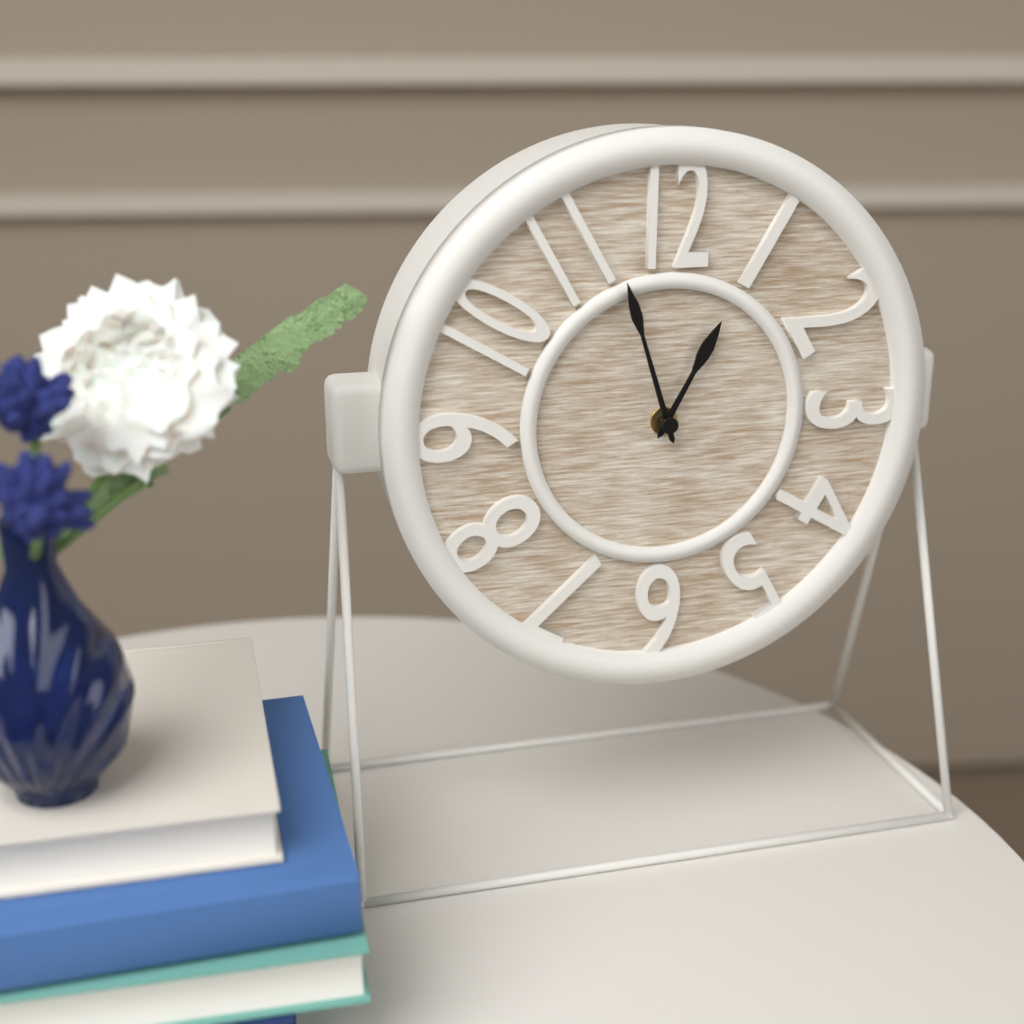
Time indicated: 12:57
